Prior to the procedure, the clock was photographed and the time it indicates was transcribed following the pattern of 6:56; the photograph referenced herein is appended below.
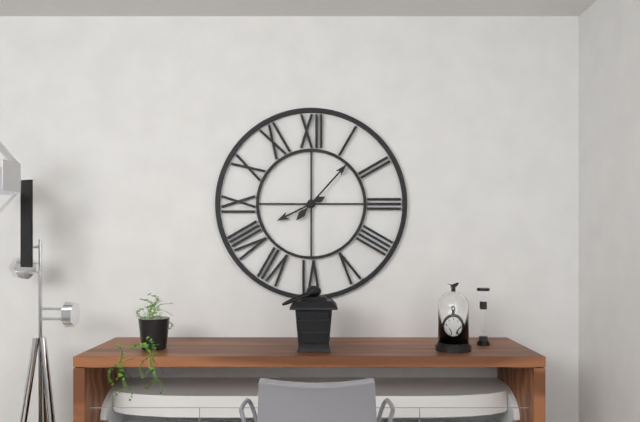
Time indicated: 8:07
